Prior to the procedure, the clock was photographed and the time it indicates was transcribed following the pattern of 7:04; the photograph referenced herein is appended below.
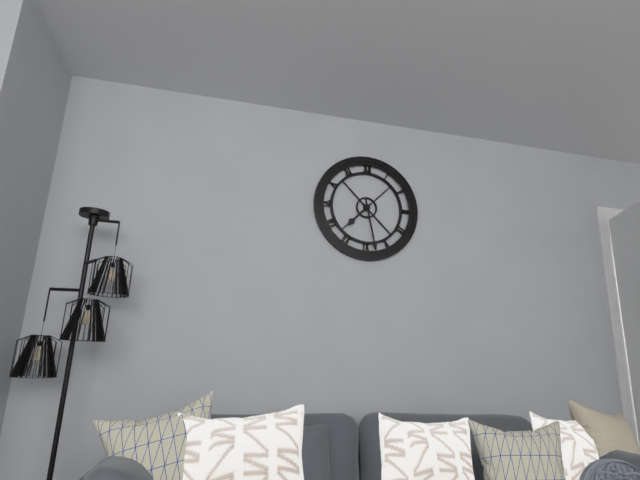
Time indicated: 7:28
